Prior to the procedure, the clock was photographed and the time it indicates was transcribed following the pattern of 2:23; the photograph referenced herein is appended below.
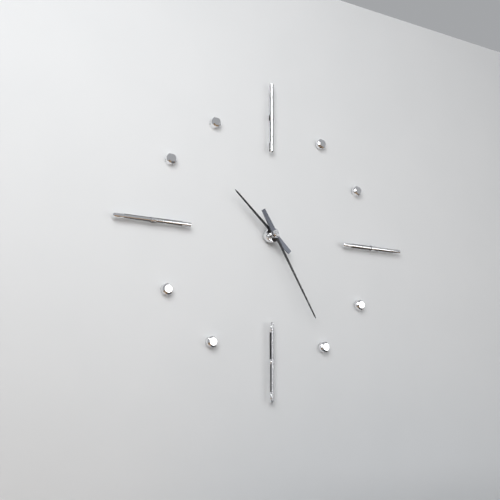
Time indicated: 10:25
